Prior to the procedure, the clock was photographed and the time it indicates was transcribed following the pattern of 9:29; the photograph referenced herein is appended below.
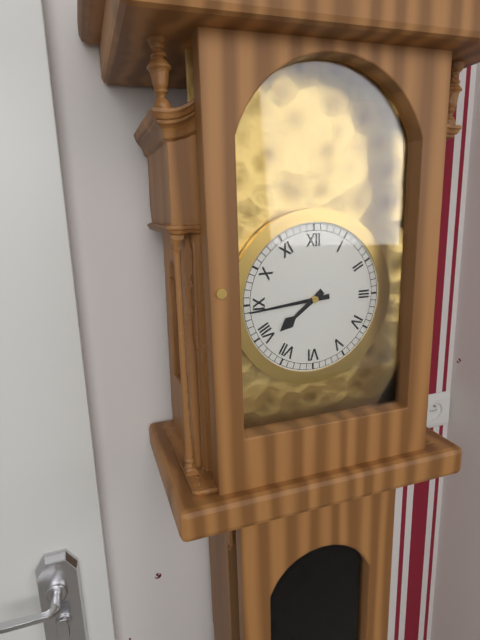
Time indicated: 7:44
